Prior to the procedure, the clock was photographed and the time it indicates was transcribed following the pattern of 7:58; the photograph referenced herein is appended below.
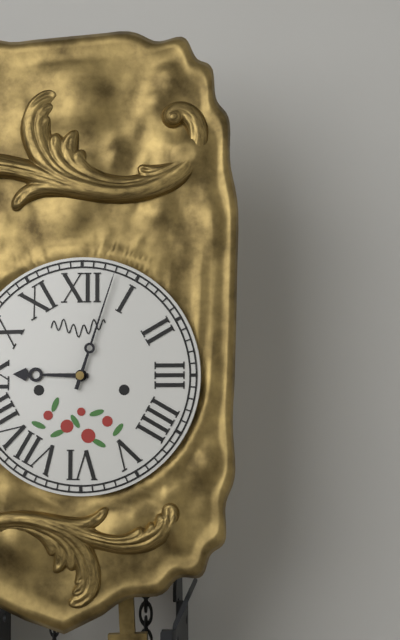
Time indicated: 9:03
